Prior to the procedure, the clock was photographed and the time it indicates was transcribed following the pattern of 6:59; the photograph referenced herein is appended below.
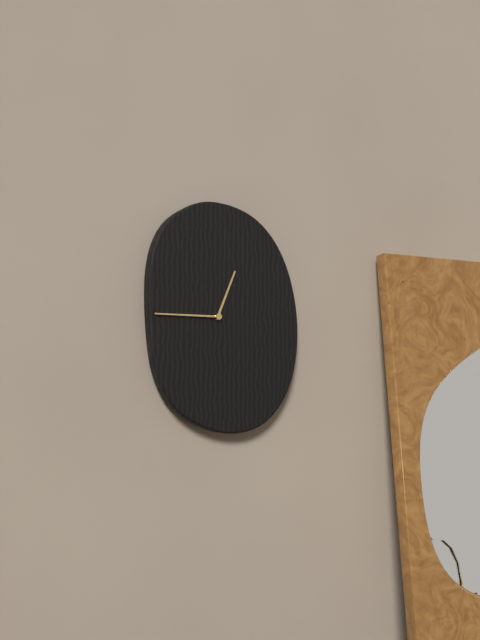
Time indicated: 12:45
